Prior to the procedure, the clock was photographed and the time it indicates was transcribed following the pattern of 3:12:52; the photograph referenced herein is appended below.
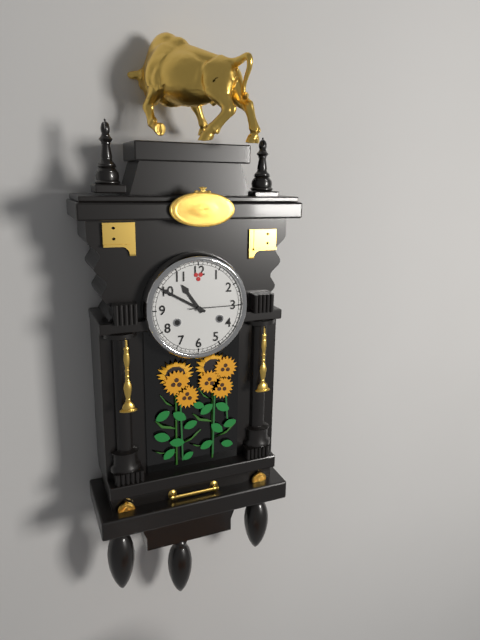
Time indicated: 10:50:15
